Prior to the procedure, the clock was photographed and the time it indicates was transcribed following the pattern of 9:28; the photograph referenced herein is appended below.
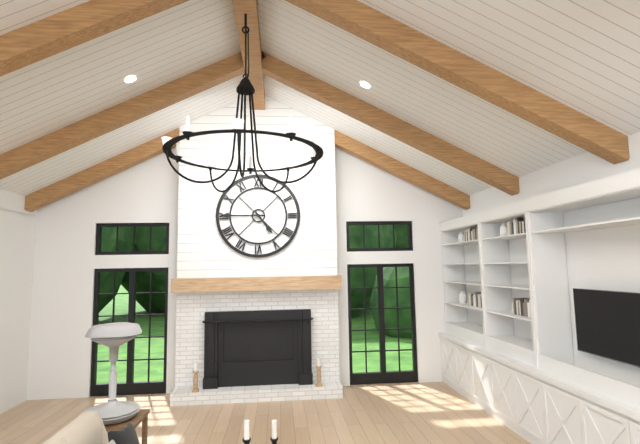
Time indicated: 4:45
